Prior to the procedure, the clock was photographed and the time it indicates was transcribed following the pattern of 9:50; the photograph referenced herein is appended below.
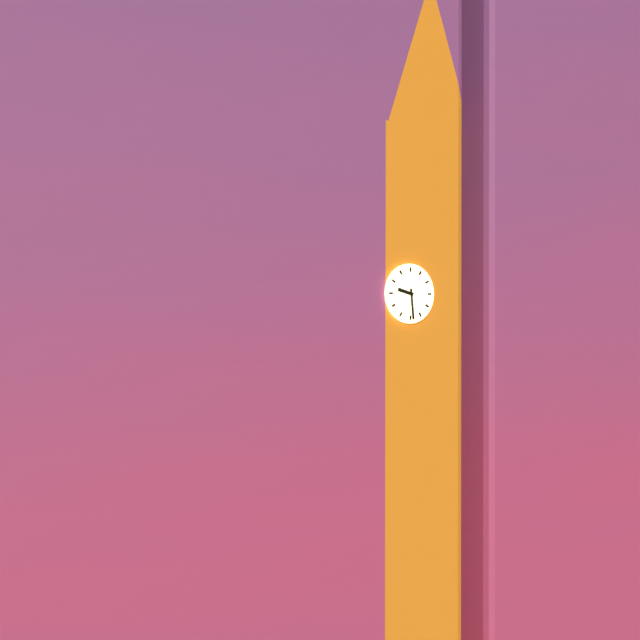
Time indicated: 9:29
